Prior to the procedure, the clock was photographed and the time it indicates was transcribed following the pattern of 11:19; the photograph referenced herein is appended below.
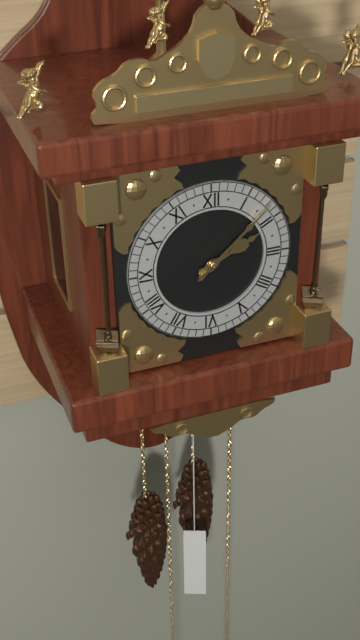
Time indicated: 2:08
